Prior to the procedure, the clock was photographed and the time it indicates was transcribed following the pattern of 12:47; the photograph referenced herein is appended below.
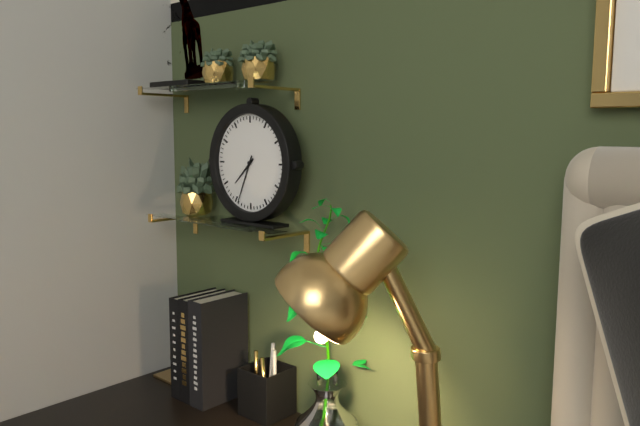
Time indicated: 7:34
